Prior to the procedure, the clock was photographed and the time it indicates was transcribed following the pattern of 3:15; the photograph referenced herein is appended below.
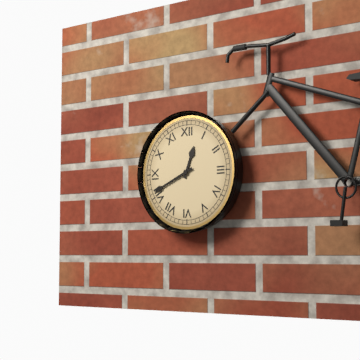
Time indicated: 12:41
